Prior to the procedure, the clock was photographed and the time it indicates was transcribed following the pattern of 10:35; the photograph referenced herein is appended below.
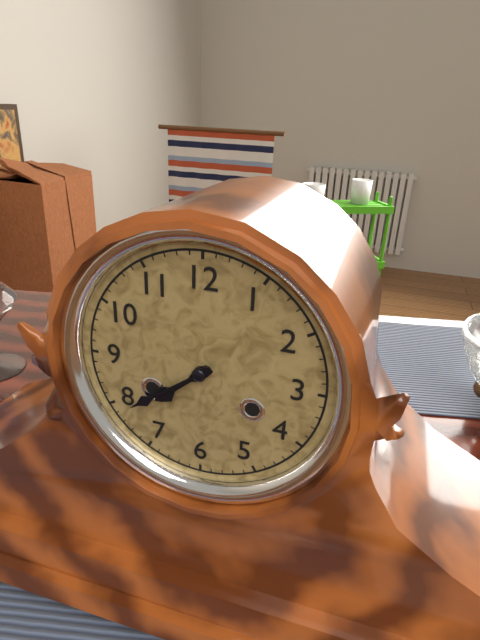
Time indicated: 7:39
